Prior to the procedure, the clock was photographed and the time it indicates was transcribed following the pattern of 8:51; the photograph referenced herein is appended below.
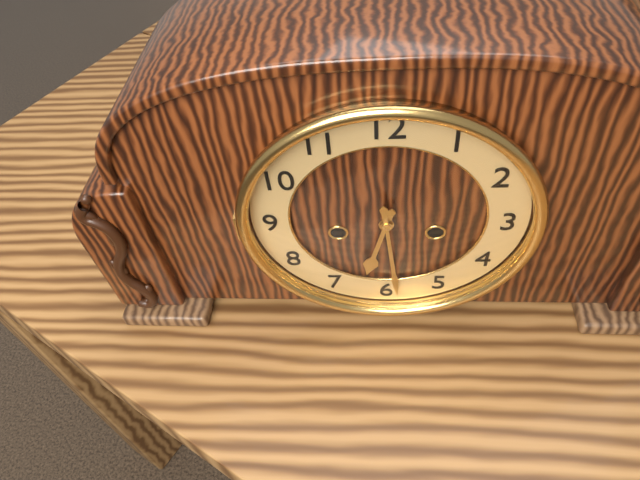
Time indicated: 6:29
